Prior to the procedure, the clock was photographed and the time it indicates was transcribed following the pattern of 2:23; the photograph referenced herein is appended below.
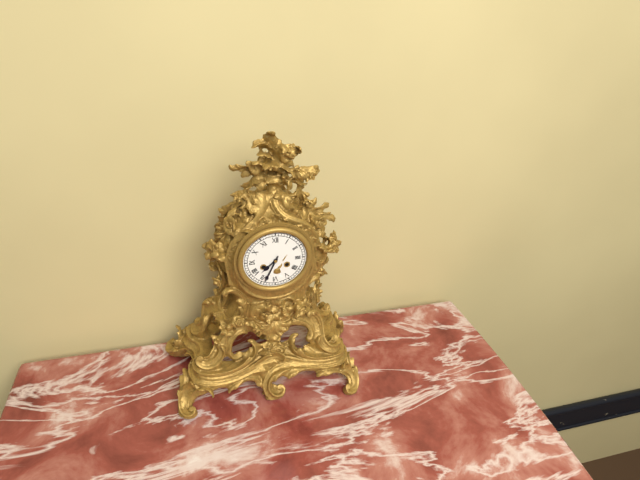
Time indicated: 7:34
